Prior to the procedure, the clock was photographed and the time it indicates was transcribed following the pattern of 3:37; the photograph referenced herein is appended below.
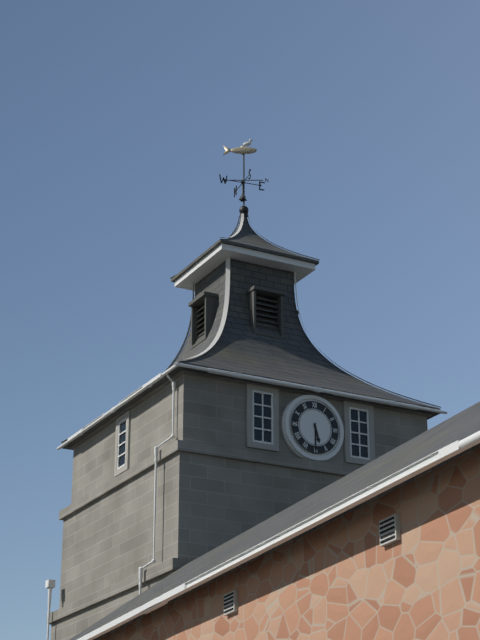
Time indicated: 5:30
